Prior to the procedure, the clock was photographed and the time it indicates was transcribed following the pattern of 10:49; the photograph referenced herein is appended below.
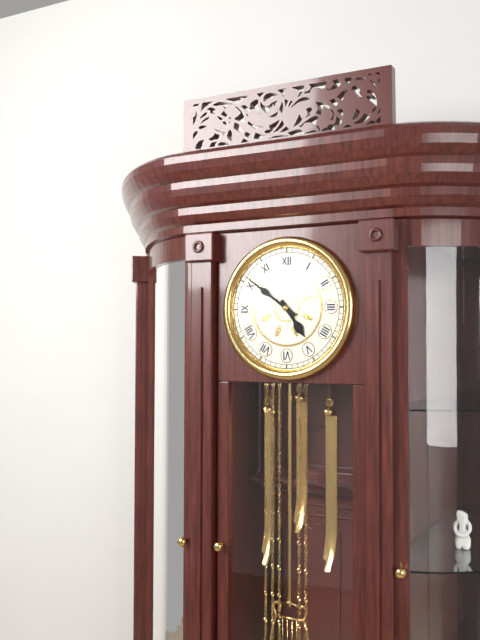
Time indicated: 4:51
